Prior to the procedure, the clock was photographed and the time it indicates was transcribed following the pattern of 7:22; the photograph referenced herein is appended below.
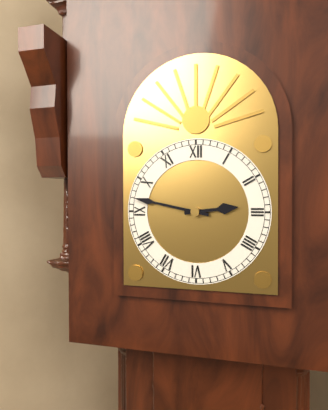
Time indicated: 2:47
